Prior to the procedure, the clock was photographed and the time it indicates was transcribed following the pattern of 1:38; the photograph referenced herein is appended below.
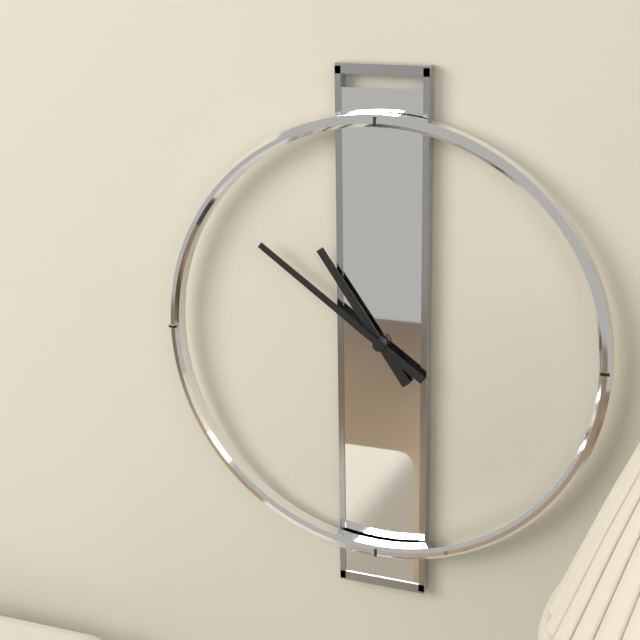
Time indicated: 10:51
